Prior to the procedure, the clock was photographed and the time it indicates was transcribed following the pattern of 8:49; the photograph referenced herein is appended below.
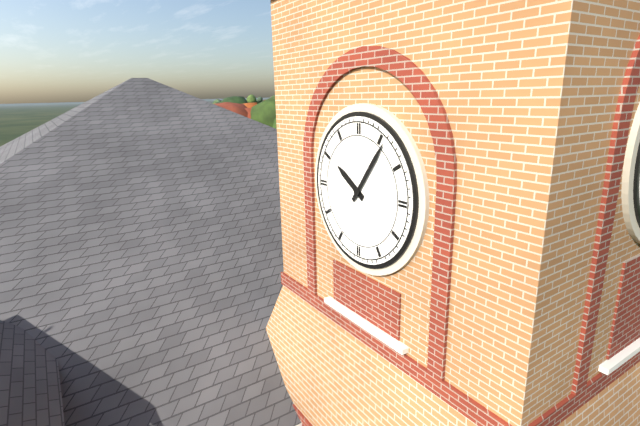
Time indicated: 10:06
